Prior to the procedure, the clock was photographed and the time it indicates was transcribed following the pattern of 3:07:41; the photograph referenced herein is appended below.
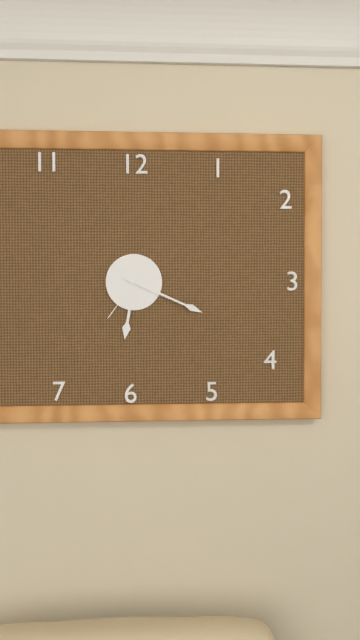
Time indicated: 6:19:36
